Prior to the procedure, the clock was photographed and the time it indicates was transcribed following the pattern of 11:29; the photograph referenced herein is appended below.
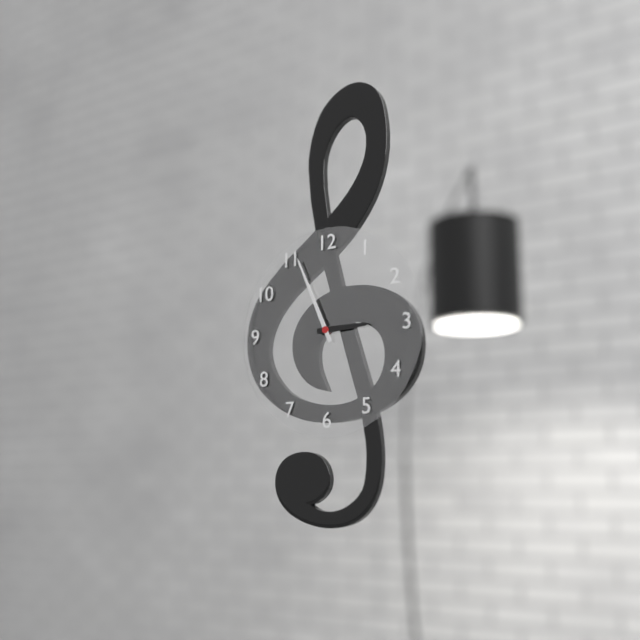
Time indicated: 2:56
